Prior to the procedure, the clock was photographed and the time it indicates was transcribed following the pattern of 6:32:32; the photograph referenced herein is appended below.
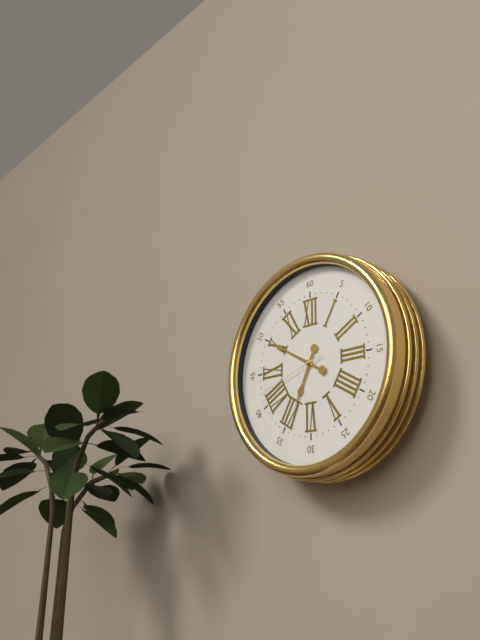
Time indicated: 6:50:42
